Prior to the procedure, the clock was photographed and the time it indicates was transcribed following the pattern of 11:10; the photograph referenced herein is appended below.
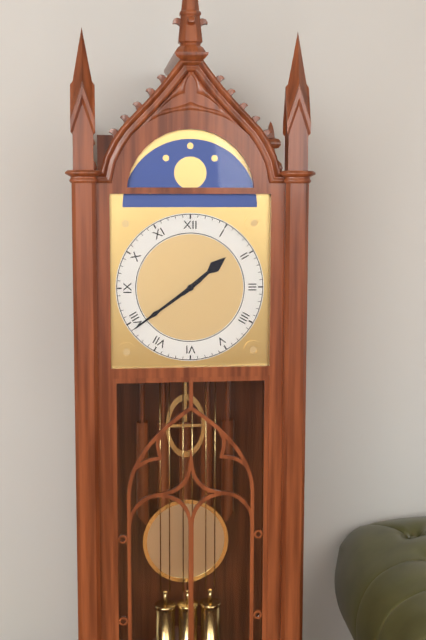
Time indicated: 1:39
